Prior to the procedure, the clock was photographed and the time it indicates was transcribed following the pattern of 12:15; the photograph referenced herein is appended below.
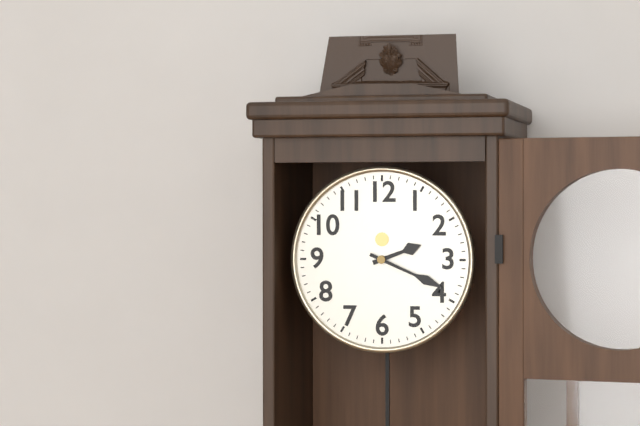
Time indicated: 2:19
